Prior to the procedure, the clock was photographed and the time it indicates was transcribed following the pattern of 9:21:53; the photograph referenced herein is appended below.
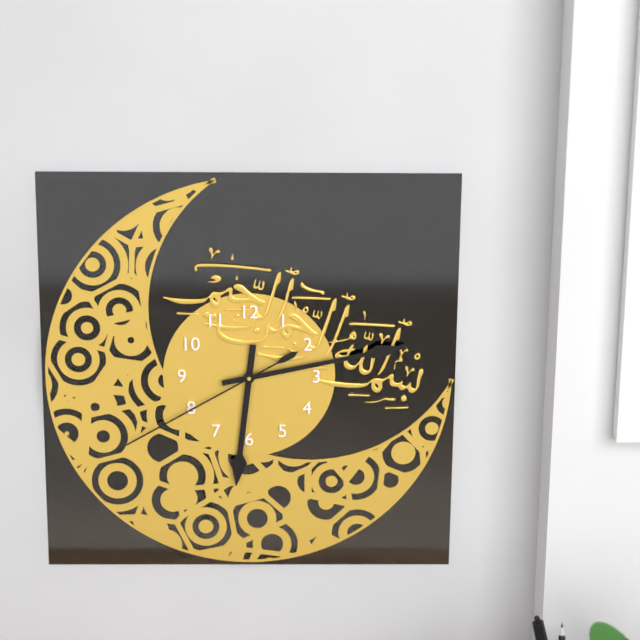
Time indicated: 6:13:40
